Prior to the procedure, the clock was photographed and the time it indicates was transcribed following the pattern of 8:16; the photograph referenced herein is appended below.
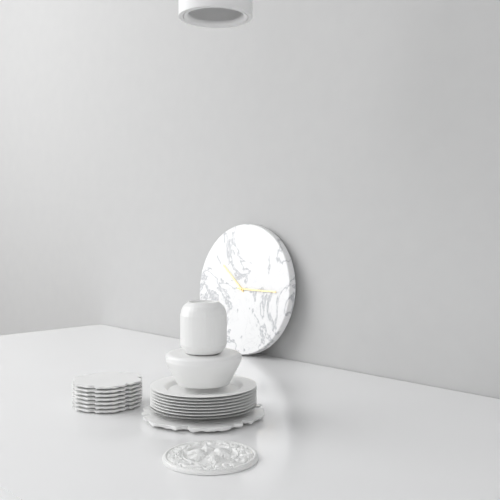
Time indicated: 10:15
